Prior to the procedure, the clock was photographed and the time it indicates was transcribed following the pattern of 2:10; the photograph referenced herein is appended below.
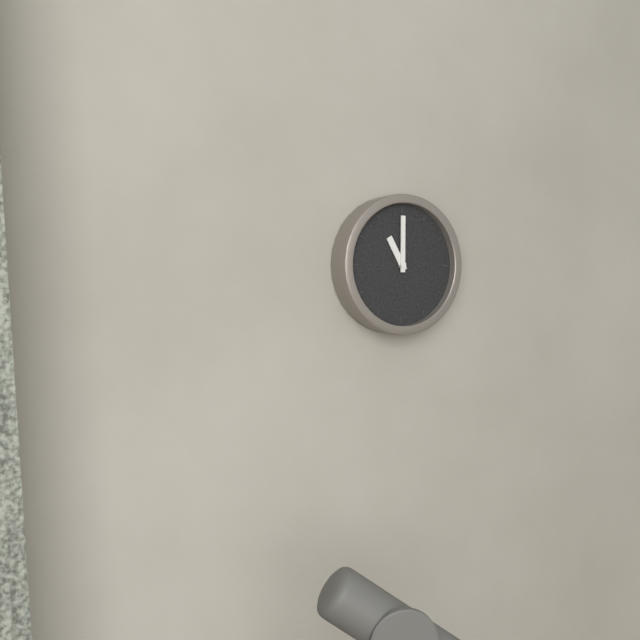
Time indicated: 11:00
